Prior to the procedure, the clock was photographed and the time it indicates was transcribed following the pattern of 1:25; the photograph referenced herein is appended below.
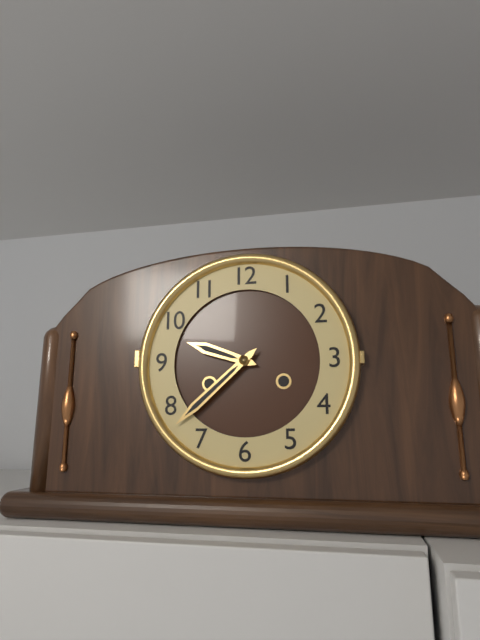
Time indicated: 9:38
